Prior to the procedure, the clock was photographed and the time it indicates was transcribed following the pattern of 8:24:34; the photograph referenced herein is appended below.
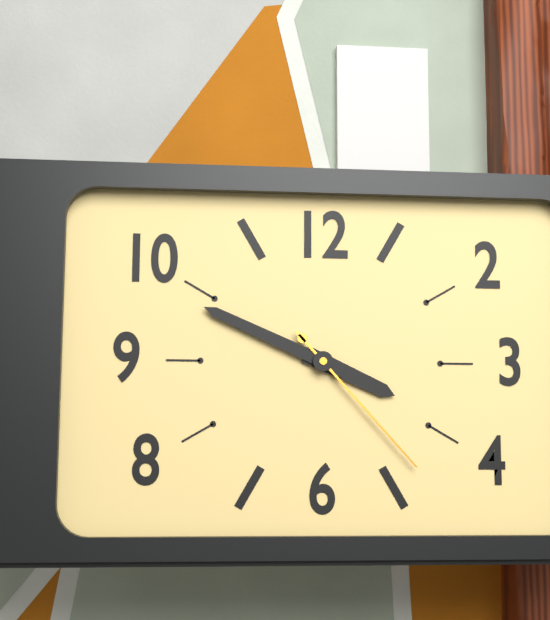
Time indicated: 3:49:23
